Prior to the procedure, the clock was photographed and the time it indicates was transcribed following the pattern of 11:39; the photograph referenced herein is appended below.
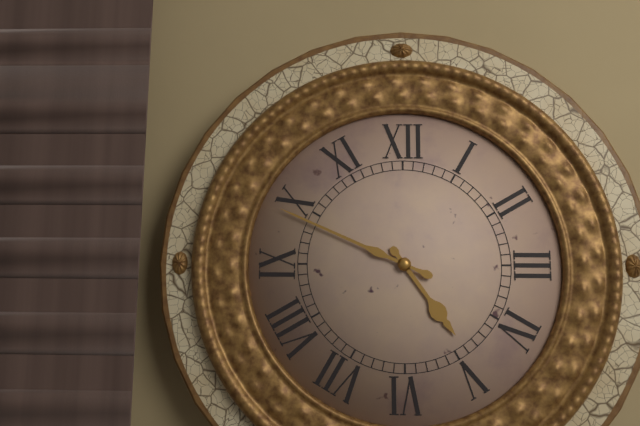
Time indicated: 4:49
